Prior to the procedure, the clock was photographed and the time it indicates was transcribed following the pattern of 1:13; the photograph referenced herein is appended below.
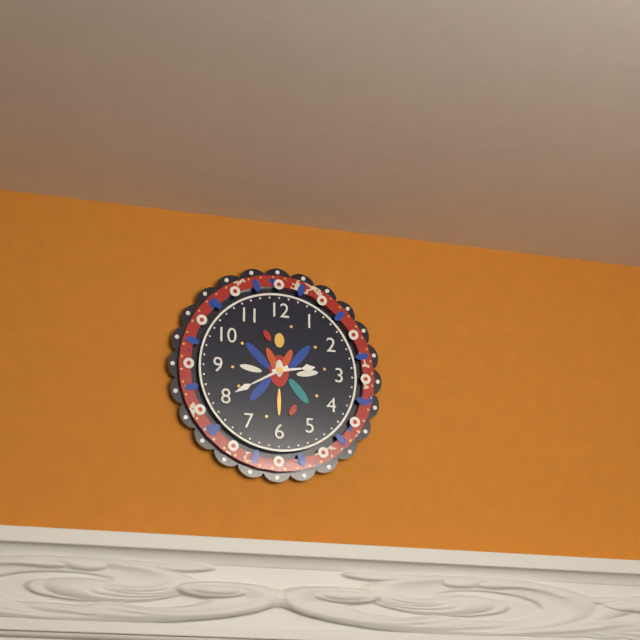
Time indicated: 2:40
